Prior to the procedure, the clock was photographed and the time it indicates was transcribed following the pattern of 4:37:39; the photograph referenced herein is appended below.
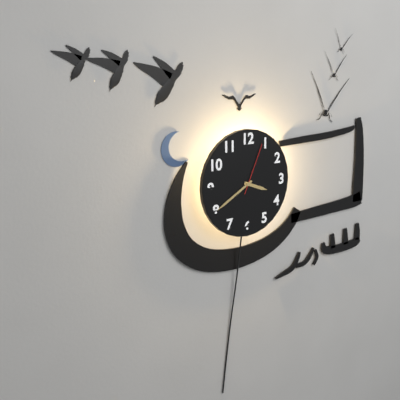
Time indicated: 3:40:04
